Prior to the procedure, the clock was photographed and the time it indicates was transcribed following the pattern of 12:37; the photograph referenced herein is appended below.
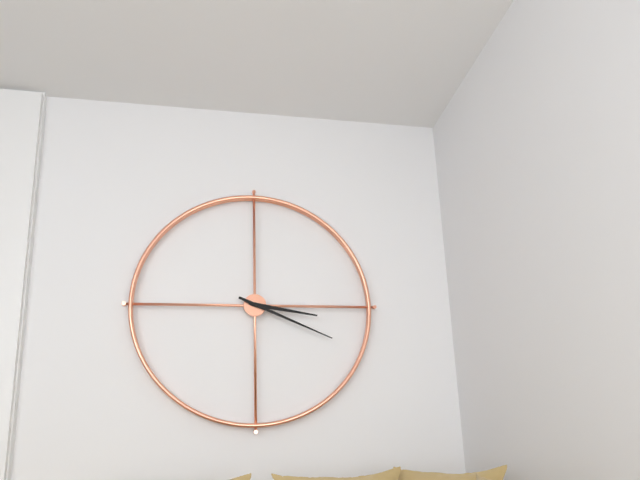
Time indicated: 3:19
